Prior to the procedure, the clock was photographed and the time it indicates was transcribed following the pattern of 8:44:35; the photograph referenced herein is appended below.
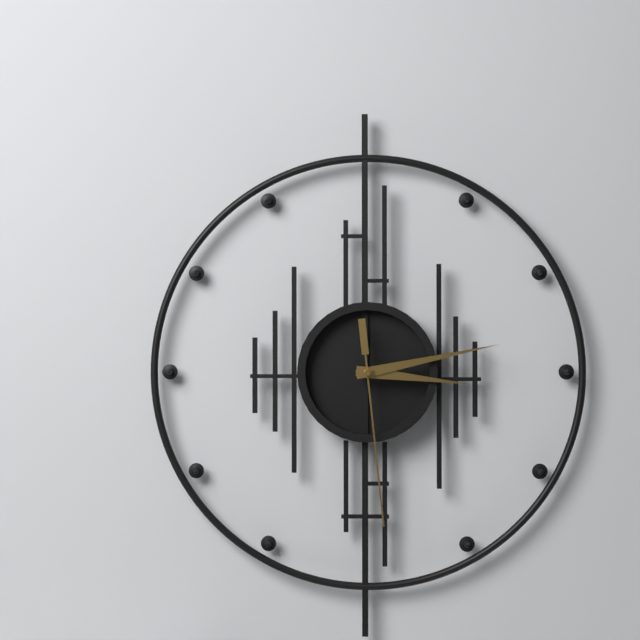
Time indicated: 3:13:29
